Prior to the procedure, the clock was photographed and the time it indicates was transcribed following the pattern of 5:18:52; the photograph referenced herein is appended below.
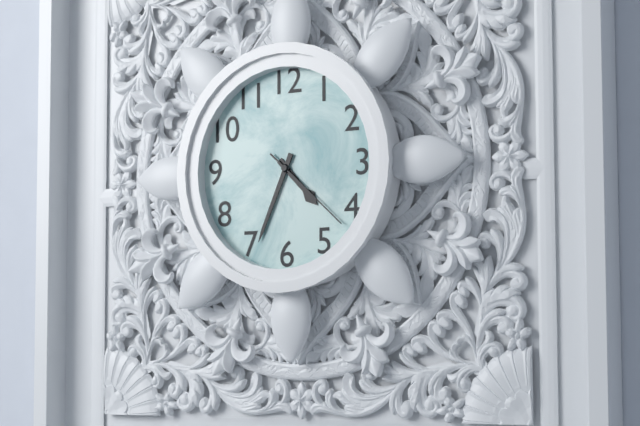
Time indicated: 4:34:22
